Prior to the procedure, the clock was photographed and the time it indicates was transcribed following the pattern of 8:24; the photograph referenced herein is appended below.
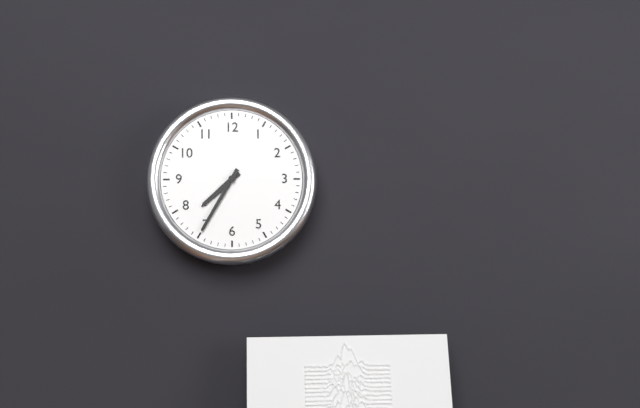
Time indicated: 7:35
